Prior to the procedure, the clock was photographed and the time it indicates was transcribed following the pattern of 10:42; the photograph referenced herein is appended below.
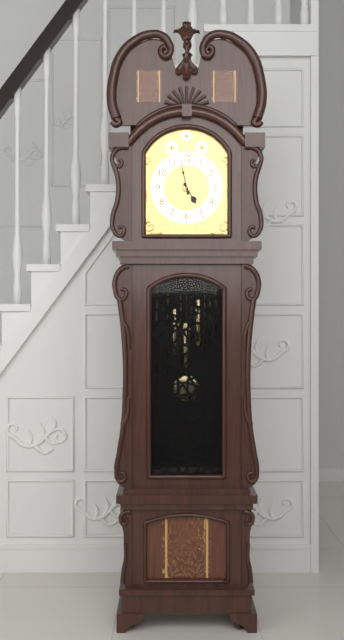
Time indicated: 4:58
